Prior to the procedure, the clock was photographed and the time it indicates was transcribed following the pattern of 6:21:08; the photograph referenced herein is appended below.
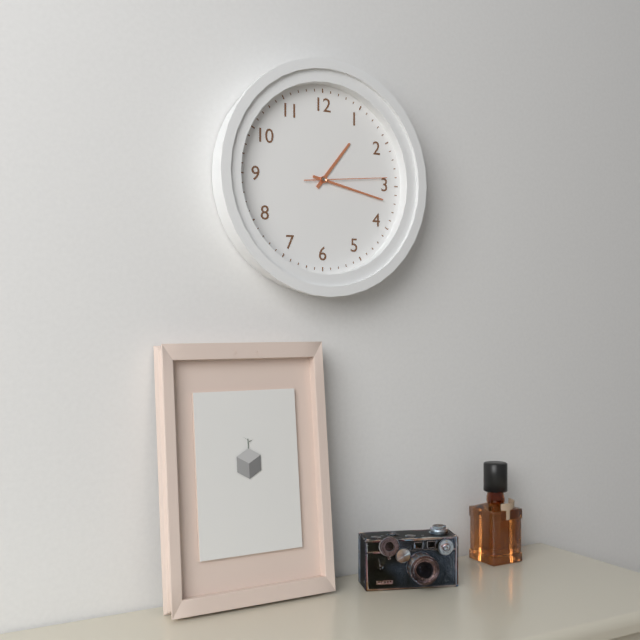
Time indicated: 1:17:14
